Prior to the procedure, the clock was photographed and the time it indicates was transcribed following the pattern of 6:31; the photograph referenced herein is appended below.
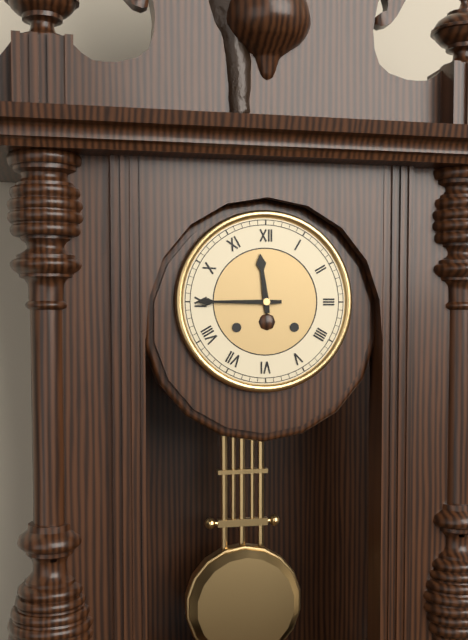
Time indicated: 11:45
